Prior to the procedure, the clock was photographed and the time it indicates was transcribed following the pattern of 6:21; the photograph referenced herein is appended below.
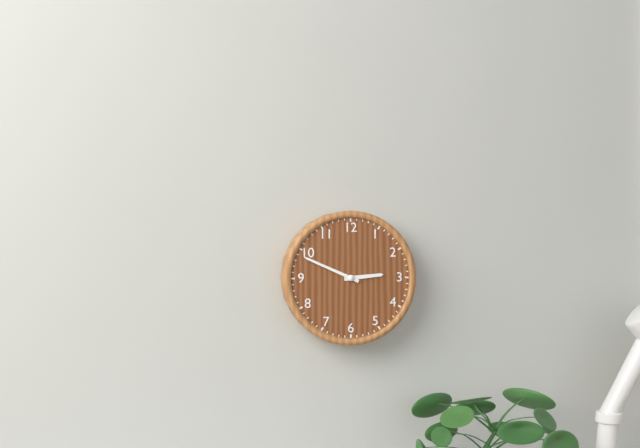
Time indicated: 2:49
